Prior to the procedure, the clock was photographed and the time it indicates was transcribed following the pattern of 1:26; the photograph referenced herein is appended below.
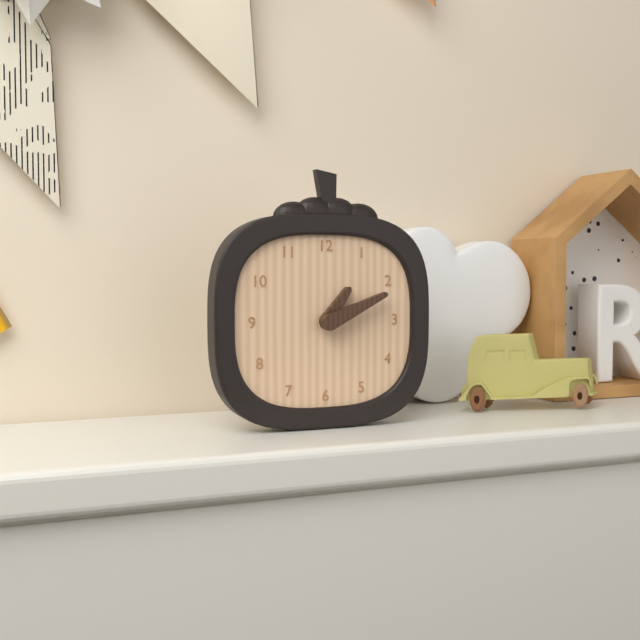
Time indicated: 1:11
